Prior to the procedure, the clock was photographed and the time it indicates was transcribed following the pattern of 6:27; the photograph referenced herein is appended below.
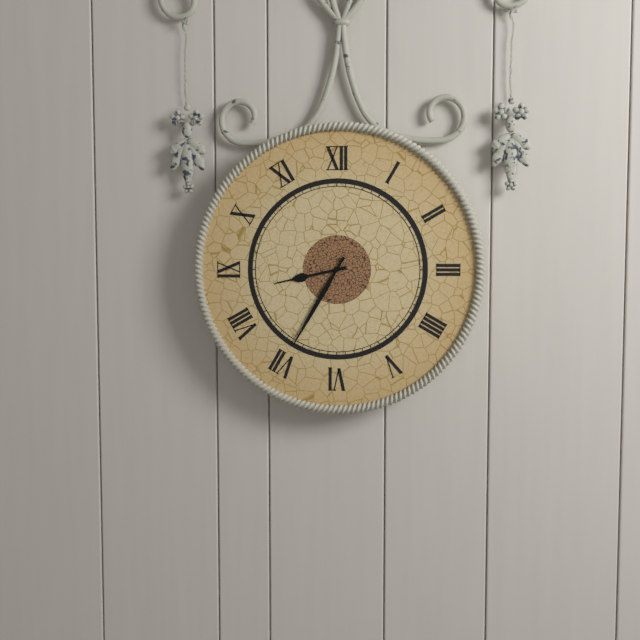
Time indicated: 8:35
